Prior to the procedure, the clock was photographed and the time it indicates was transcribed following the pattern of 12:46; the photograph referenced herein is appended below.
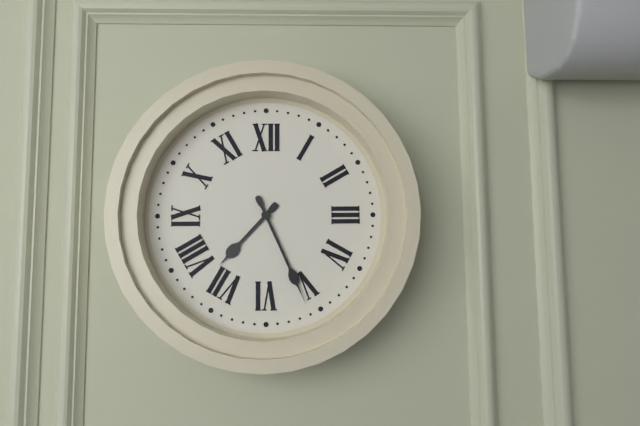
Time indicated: 7:26
